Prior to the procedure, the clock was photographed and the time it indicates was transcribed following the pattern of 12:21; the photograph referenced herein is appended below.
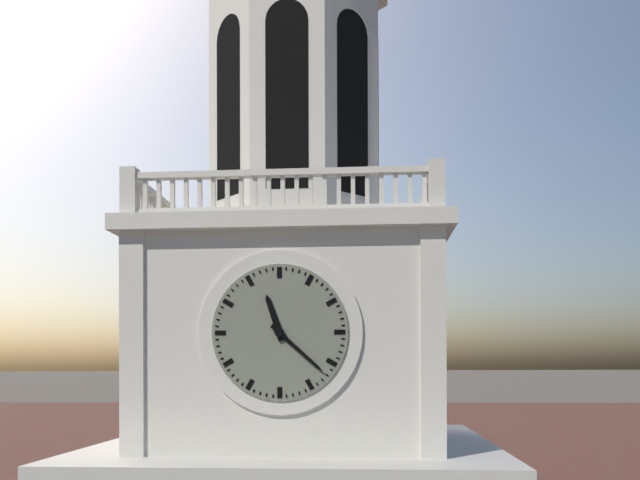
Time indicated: 11:22
